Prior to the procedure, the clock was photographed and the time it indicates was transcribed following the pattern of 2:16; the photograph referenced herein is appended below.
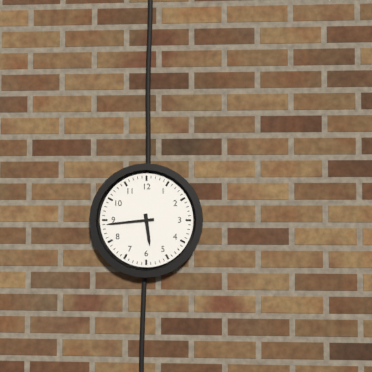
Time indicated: 5:44
